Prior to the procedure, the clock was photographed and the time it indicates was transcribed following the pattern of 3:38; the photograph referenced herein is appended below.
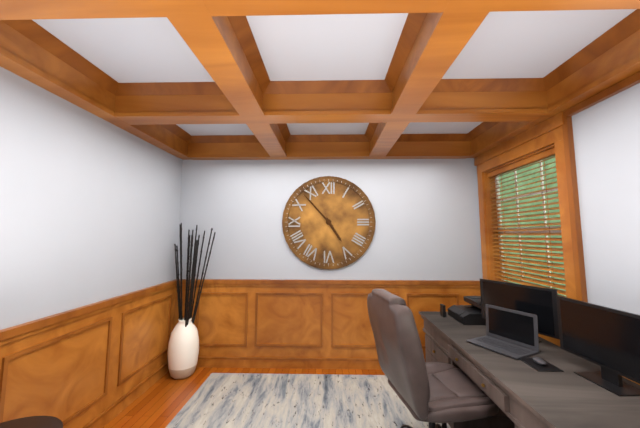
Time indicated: 4:53
